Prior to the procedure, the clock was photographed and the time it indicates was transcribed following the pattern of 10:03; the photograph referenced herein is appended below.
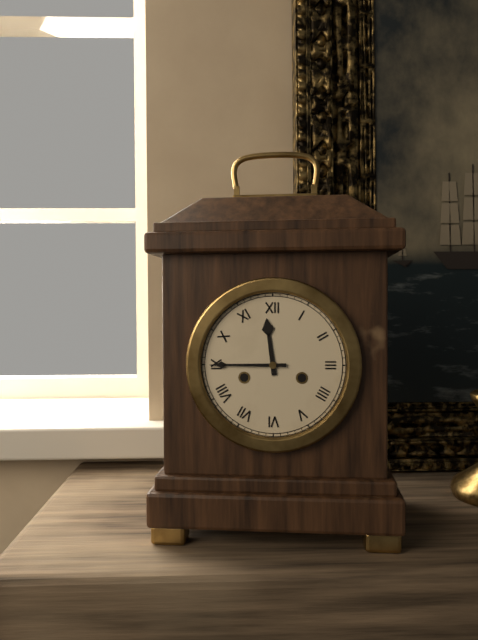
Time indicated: 11:45
